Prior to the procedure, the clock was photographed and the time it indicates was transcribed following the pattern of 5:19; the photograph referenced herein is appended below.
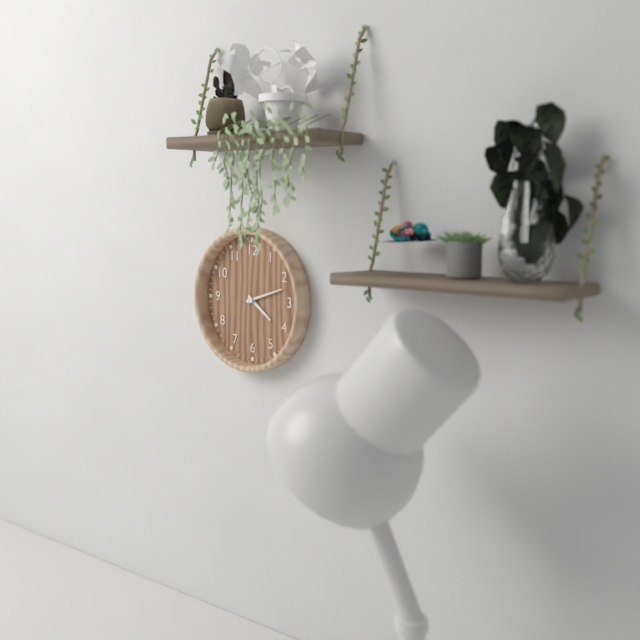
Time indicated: 4:12
